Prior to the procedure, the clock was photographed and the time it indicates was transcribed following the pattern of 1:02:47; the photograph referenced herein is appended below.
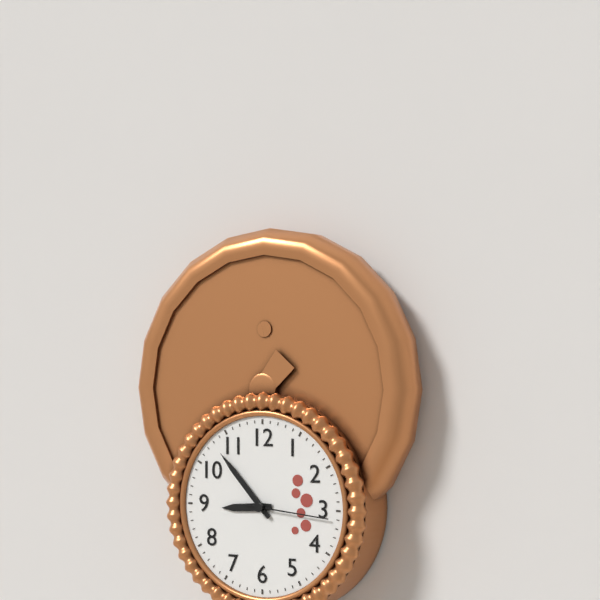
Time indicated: 8:53:16
